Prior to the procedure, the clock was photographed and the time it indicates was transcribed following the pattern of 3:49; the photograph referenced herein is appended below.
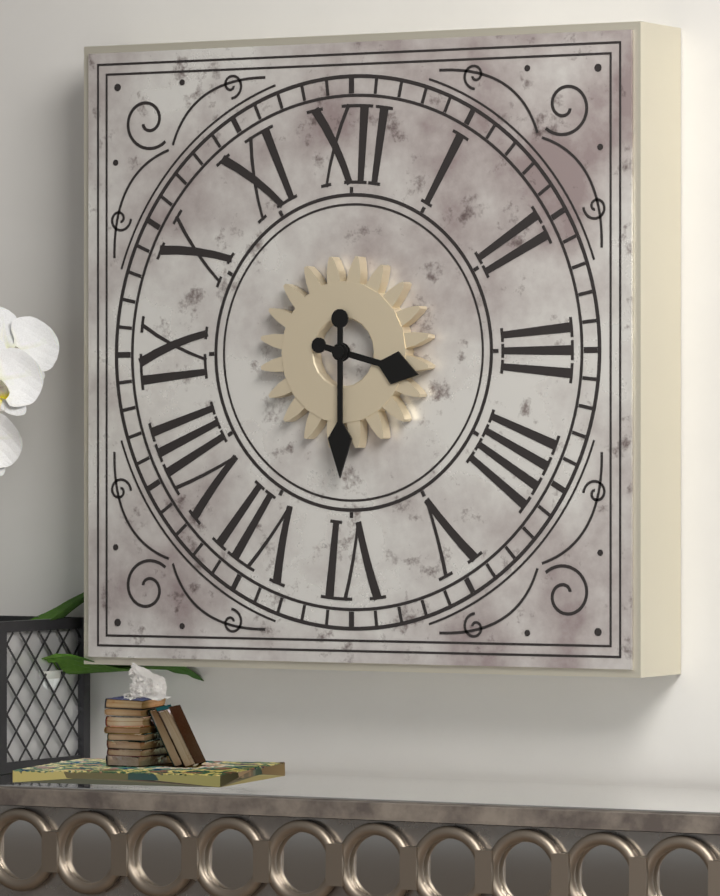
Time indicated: 3:30
